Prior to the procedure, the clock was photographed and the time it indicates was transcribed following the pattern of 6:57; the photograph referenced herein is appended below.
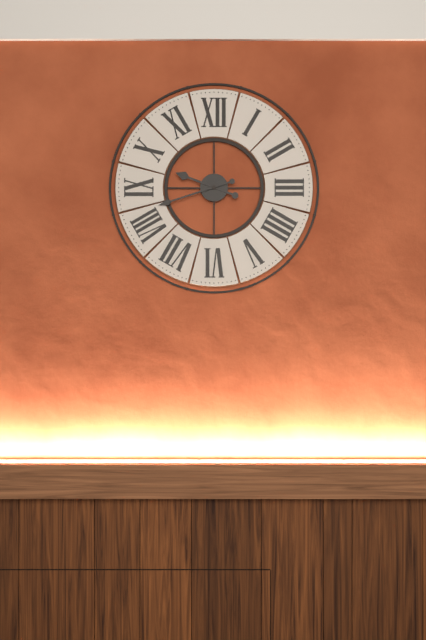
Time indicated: 9:42
